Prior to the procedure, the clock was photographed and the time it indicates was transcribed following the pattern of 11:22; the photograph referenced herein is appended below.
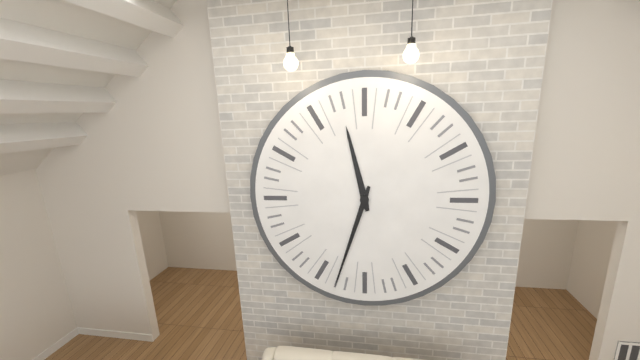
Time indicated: 11:33
